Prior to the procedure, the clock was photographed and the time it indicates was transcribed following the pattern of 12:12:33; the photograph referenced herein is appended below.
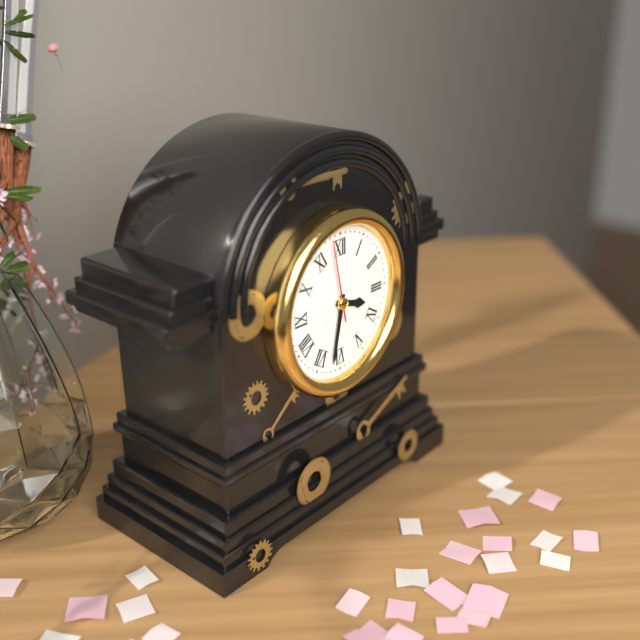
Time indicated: 3:32:58
